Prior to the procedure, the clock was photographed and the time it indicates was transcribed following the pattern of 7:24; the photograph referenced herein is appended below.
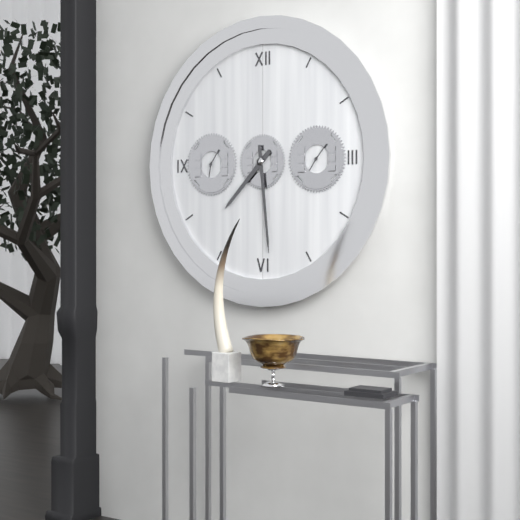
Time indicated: 7:29
